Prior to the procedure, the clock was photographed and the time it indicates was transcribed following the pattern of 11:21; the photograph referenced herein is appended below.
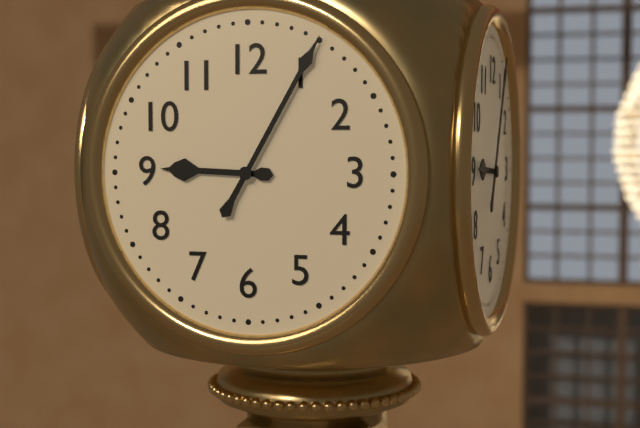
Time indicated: 9:05
